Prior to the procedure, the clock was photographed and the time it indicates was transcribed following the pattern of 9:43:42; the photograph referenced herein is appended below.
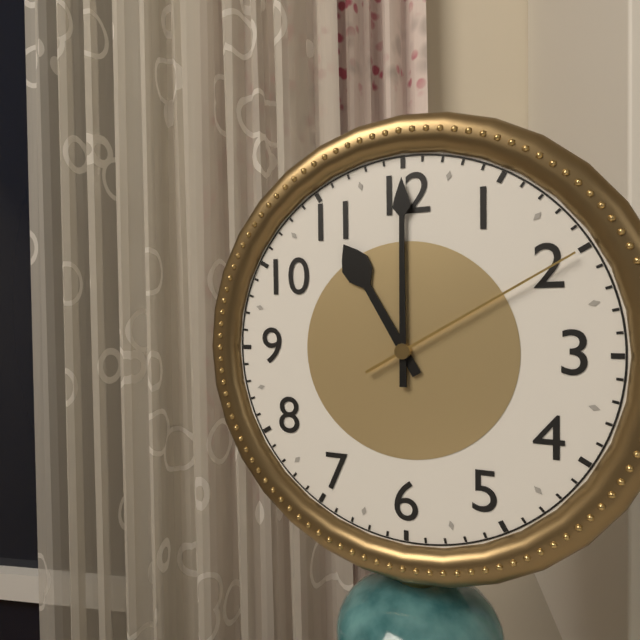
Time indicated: 11:00:10
